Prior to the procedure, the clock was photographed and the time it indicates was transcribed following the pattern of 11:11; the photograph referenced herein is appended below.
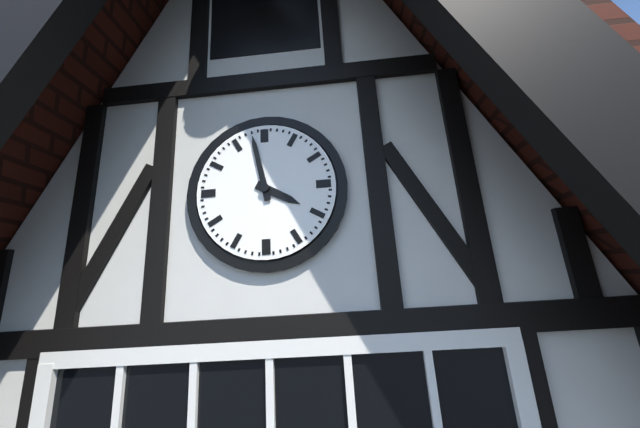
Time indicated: 3:58
